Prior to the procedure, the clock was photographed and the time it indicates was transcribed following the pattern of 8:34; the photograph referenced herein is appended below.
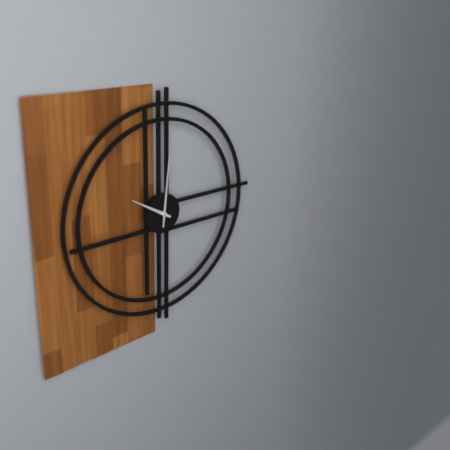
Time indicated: 10:01
